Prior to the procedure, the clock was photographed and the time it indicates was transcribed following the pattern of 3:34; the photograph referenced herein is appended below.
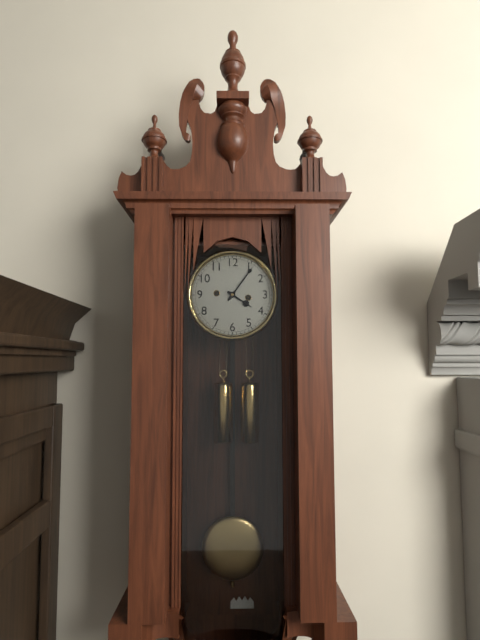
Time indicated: 4:06
